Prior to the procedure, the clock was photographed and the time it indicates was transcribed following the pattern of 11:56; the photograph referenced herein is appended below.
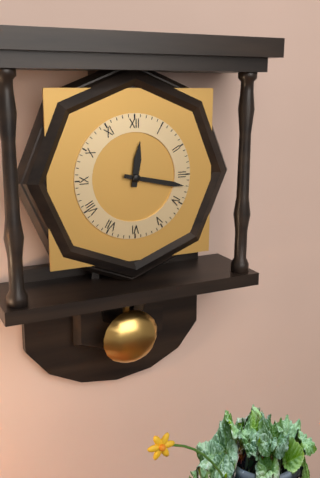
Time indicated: 12:17
